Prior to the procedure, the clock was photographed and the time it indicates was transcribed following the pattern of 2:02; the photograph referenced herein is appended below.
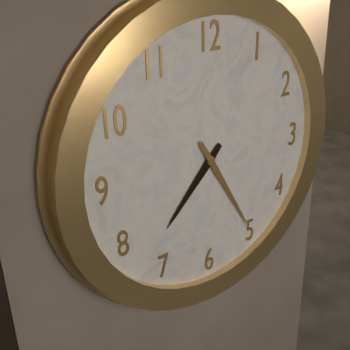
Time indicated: 7:25
